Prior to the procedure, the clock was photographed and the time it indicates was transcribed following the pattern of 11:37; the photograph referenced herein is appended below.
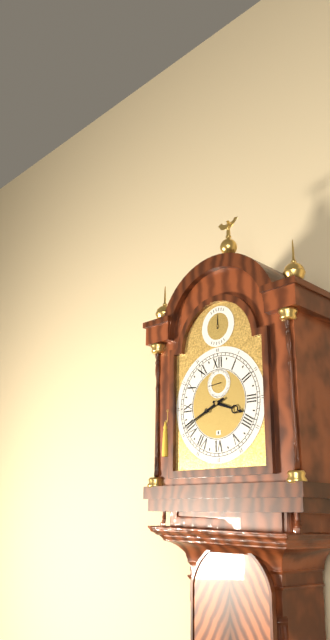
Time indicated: 3:41
